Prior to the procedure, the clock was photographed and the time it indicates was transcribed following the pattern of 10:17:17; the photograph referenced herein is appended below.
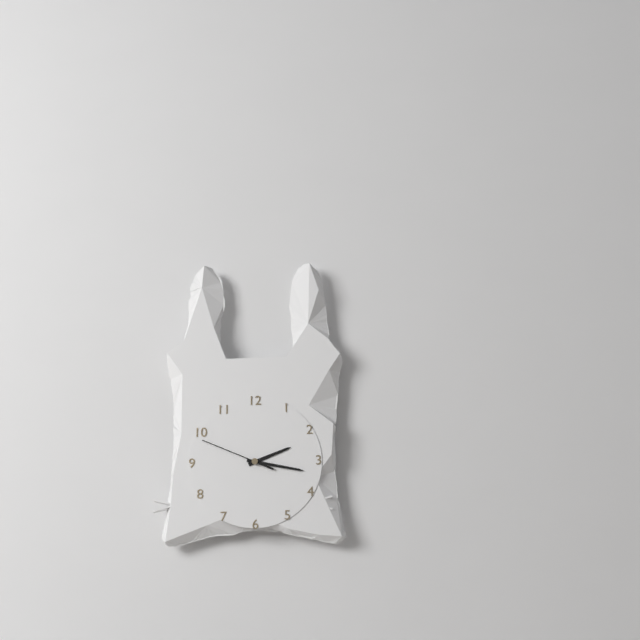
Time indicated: 2:17:49
